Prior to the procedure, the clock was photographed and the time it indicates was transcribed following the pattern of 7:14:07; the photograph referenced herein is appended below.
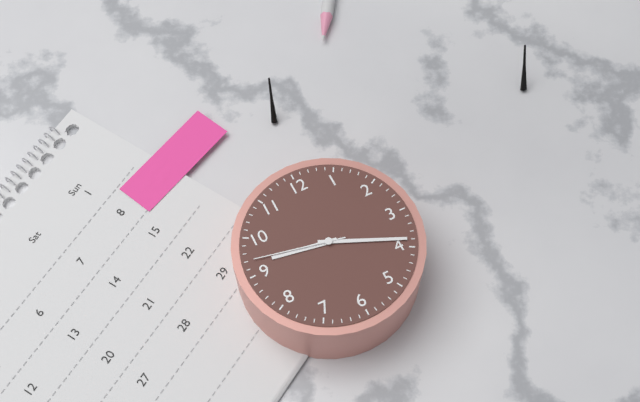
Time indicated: 9:19:47
